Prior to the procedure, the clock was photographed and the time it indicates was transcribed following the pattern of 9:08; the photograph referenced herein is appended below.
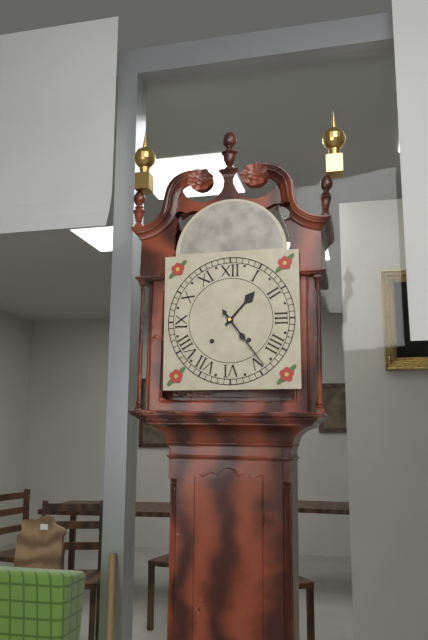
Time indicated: 1:24
